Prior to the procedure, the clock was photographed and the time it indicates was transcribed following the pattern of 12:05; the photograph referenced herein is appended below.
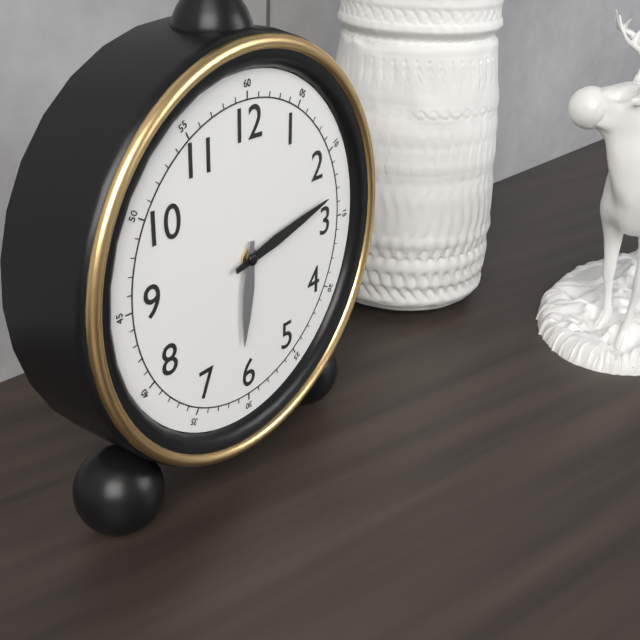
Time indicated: 6:13
